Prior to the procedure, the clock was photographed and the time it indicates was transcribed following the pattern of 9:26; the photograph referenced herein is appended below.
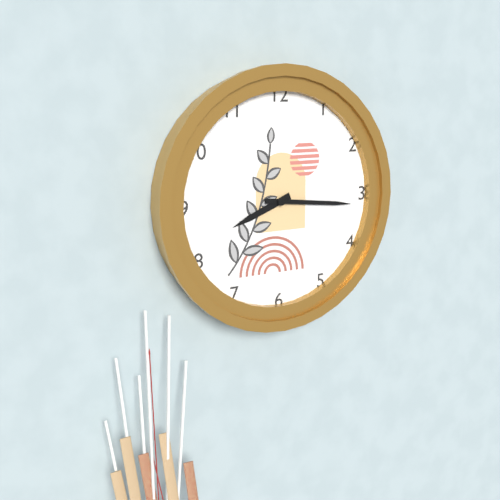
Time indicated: 8:16
